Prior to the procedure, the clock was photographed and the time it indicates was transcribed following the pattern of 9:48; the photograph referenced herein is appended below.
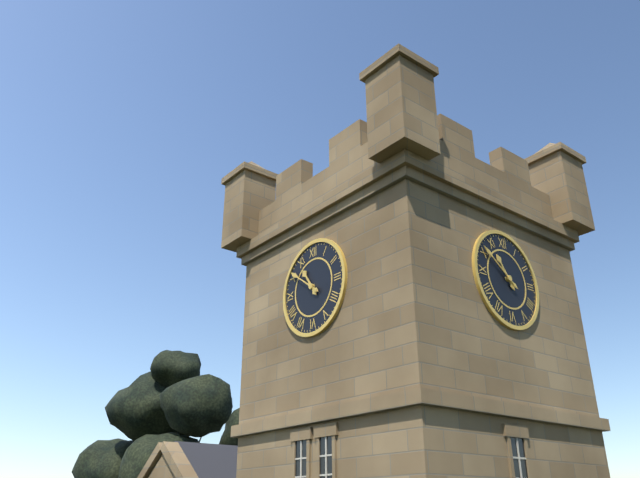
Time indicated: 10:51
